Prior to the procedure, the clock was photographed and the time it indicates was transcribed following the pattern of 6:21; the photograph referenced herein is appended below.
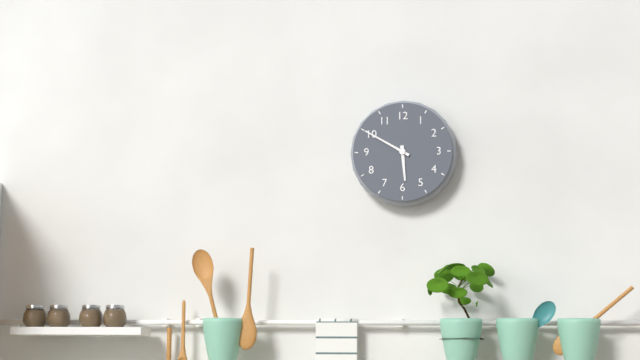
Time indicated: 5:50
